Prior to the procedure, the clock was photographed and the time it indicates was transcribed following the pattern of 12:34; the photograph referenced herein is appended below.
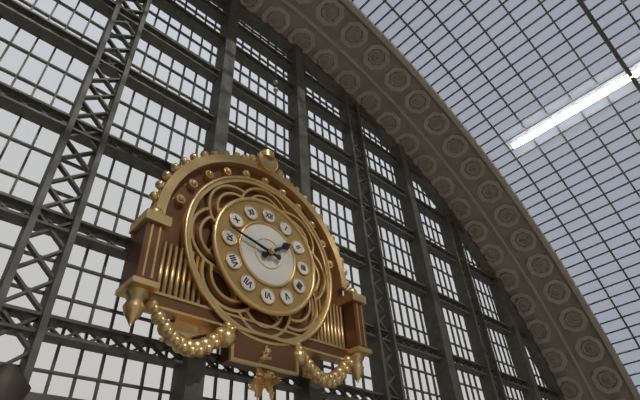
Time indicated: 1:47
